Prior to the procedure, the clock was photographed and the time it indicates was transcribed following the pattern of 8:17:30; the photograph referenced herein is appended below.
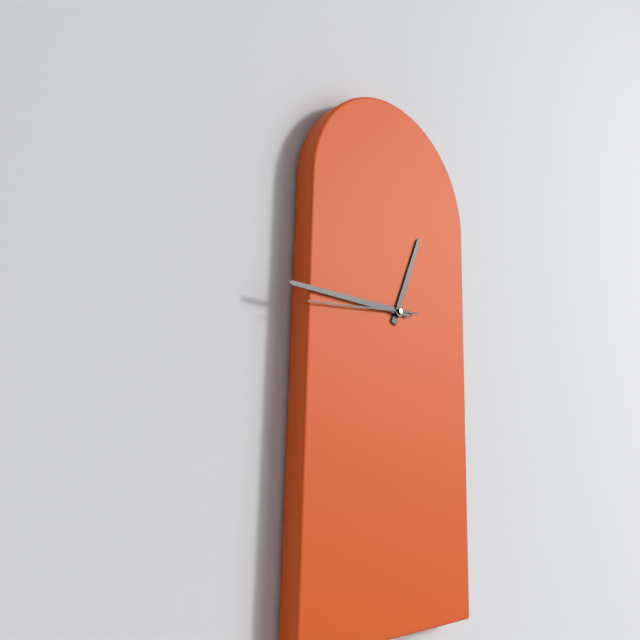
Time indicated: 12:45:44
